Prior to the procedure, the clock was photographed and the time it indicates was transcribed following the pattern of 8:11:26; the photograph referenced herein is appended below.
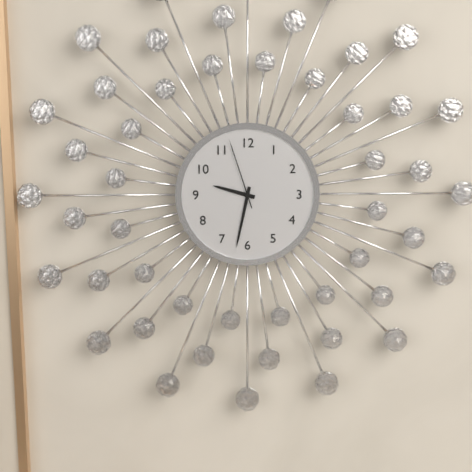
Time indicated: 9:32:57
